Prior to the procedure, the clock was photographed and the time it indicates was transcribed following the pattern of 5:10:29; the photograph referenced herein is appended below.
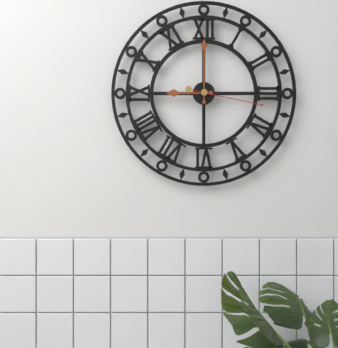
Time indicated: 9:00:17
